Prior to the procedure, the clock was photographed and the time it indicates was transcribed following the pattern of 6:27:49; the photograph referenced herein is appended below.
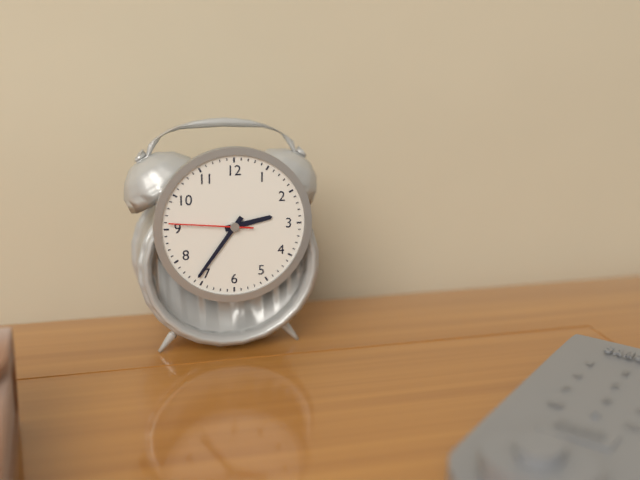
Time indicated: 2:36:46
